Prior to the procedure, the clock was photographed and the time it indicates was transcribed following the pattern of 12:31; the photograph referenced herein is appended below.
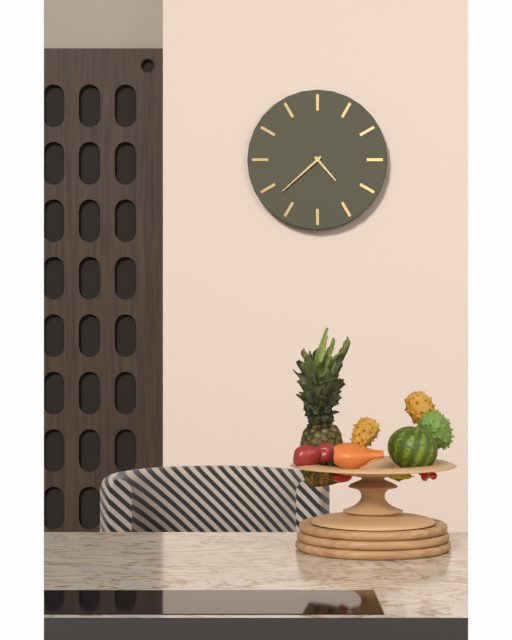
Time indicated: 4:38
